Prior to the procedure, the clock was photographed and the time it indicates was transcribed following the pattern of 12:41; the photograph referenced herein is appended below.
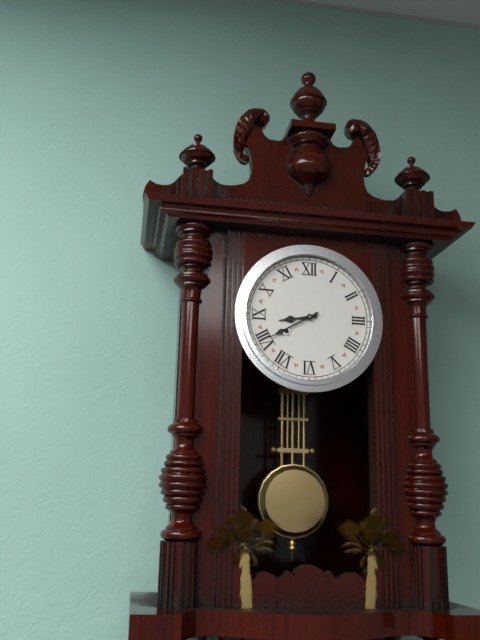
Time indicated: 8:40
